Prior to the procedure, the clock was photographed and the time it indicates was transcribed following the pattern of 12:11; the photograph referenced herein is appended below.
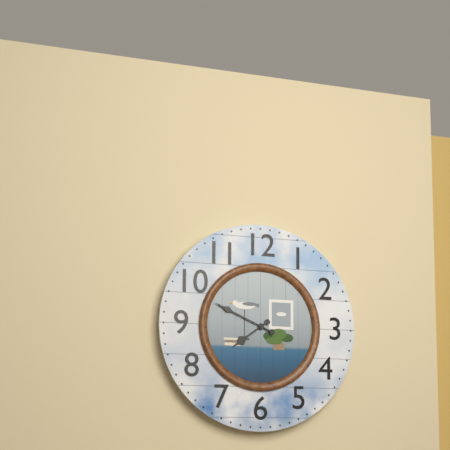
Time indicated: 7:49
